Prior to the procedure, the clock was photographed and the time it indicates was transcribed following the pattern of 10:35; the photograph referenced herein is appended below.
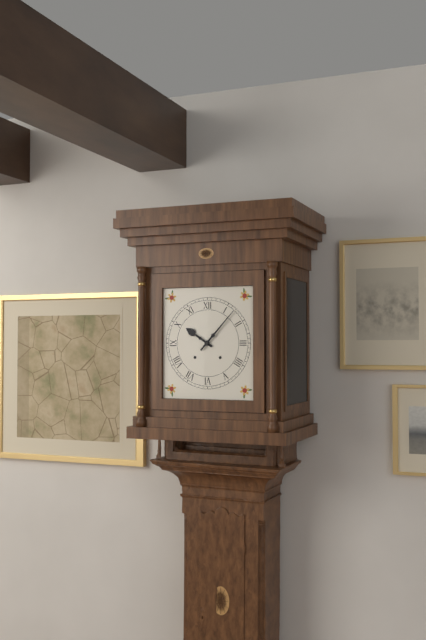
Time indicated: 10:07
